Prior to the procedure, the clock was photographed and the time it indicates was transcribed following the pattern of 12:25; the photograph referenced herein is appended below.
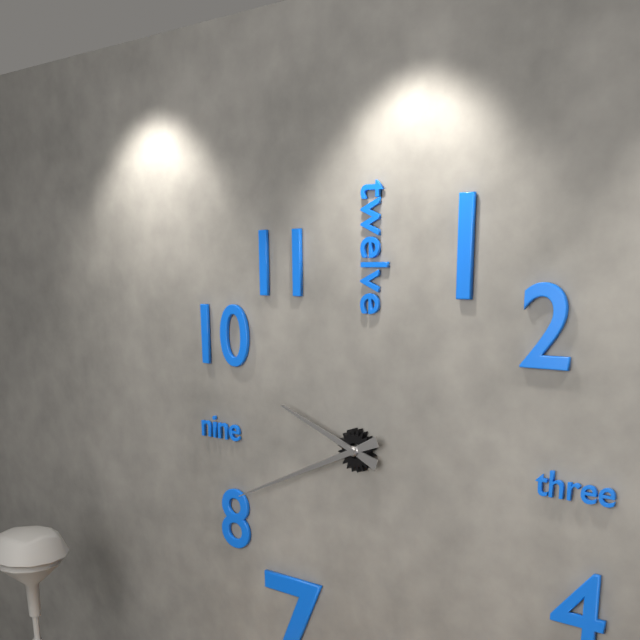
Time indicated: 9:41
